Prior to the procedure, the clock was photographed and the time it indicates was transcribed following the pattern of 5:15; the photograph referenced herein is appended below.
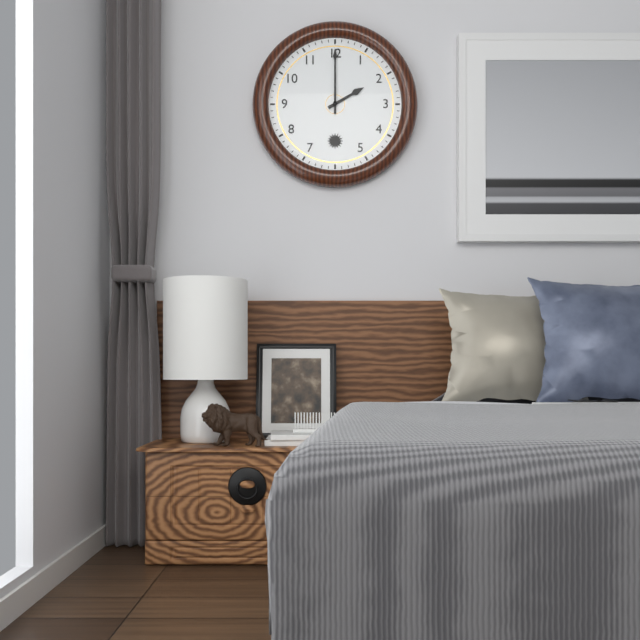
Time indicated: 2:00
